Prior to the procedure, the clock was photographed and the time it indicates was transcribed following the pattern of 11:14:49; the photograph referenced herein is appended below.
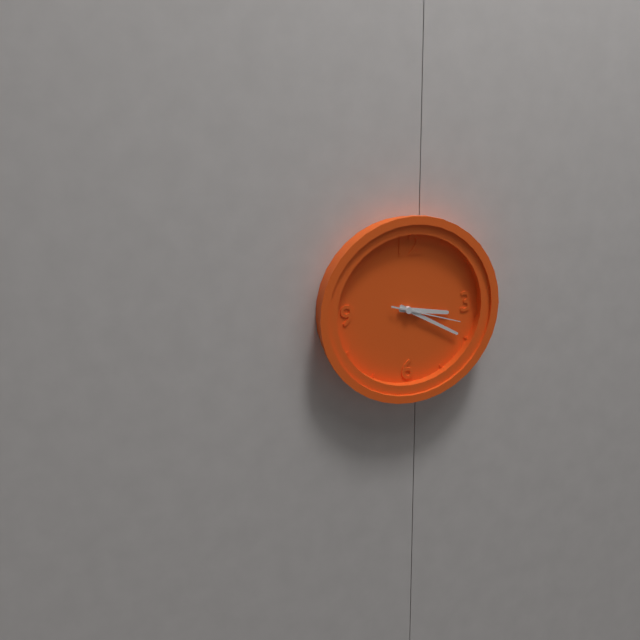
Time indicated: 3:20:18
